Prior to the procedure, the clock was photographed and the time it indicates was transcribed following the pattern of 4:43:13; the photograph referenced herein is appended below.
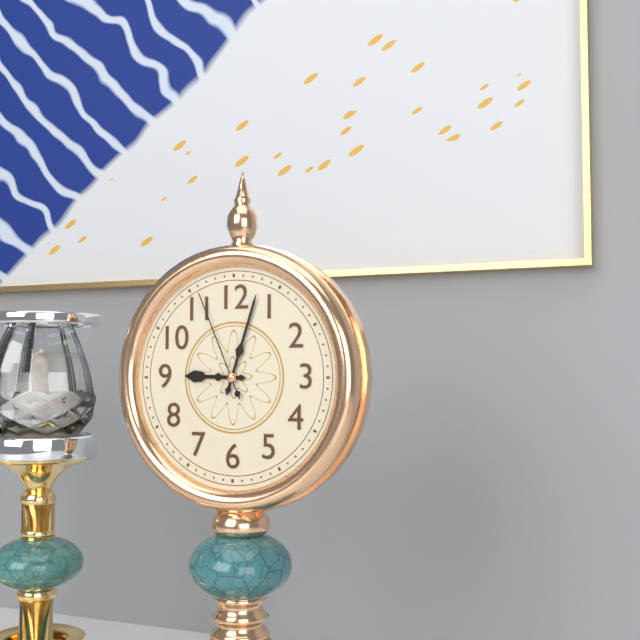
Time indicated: 9:03:56
